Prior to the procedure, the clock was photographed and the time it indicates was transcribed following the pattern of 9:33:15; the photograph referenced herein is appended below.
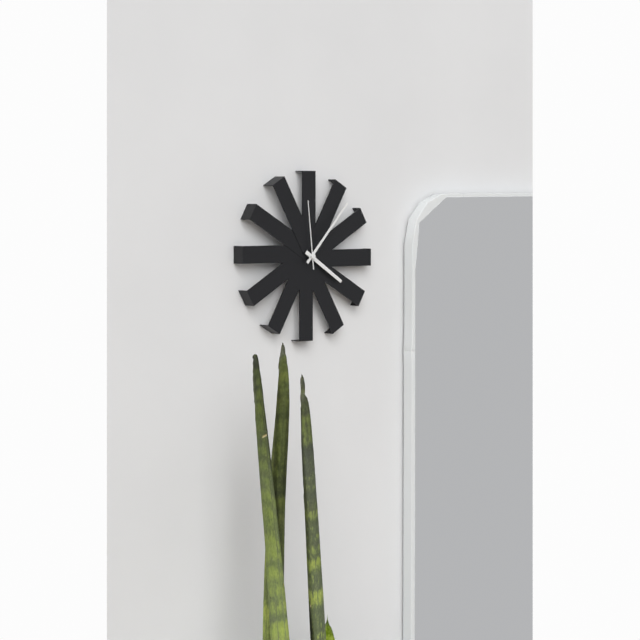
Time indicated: 4:07:59
